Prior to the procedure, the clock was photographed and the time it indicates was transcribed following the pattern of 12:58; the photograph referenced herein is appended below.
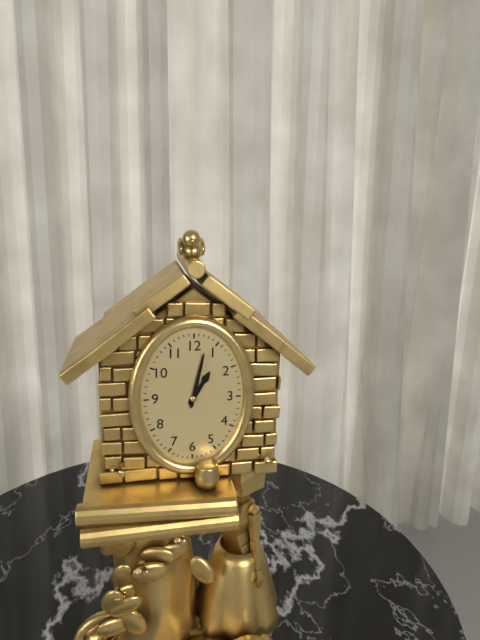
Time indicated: 1:02
